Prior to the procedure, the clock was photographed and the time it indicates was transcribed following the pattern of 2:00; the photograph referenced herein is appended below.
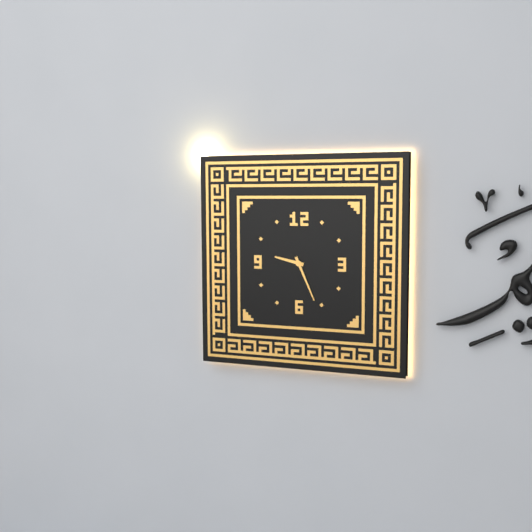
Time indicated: 9:26
